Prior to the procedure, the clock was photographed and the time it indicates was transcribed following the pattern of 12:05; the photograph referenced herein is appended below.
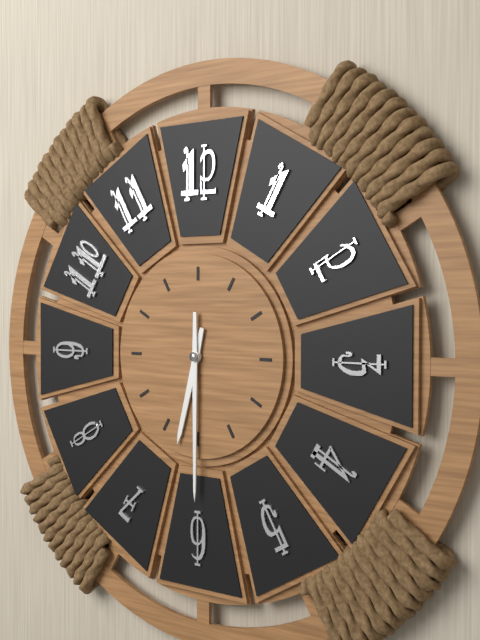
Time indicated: 6:30
